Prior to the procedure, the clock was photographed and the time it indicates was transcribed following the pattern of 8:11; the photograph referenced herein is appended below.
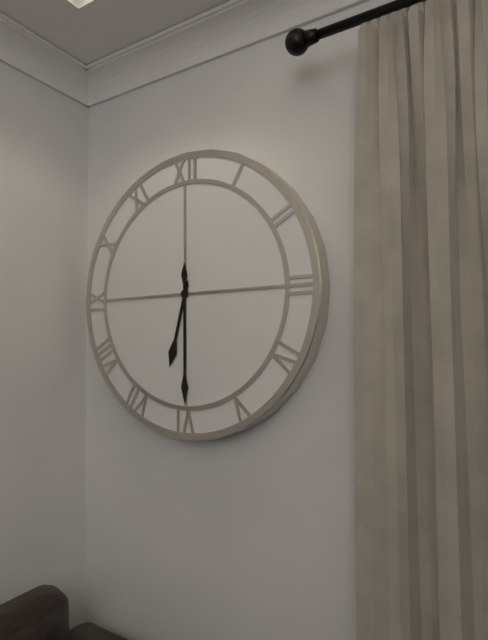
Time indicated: 6:30
